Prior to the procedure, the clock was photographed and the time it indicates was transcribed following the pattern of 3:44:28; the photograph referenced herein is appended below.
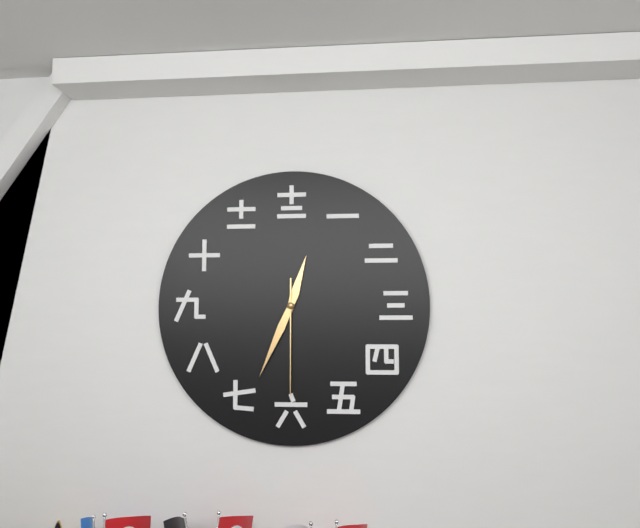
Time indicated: 12:34:30
